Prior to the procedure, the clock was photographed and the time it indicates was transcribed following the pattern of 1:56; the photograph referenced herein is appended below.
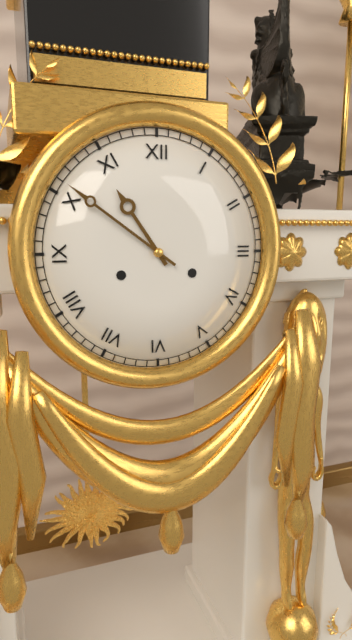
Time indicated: 10:51
